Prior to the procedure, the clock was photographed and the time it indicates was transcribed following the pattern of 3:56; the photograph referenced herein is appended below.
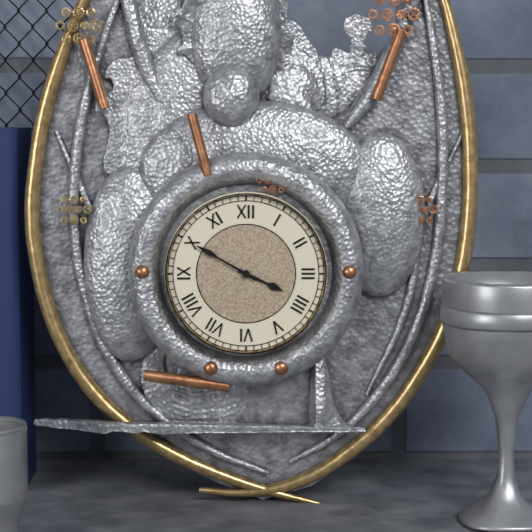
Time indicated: 3:50
